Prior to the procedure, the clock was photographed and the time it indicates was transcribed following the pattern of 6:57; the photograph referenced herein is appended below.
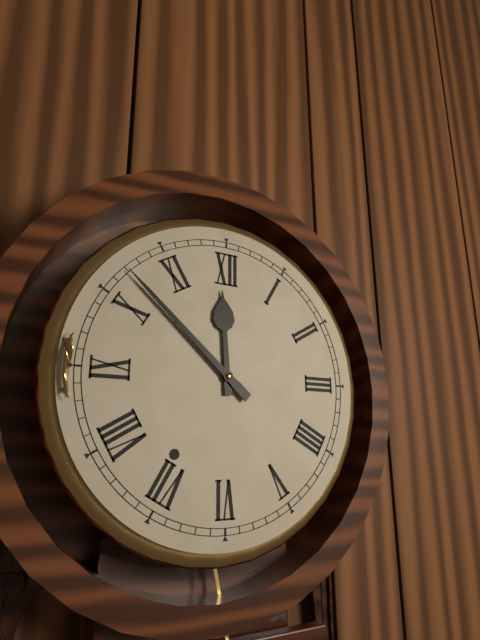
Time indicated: 11:52
